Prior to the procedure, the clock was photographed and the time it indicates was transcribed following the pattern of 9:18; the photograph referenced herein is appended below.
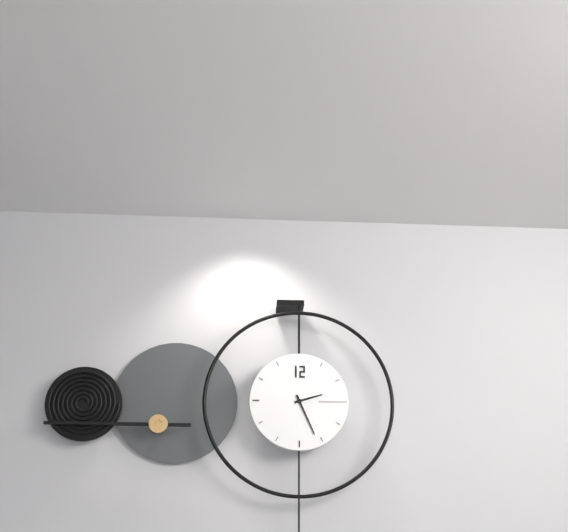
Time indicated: 2:26
